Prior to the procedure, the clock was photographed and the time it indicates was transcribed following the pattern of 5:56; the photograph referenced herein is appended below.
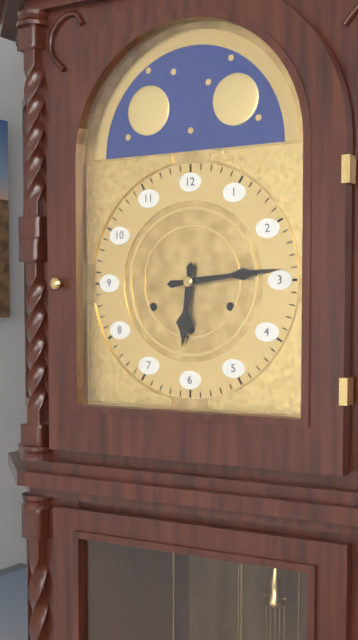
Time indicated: 6:14
